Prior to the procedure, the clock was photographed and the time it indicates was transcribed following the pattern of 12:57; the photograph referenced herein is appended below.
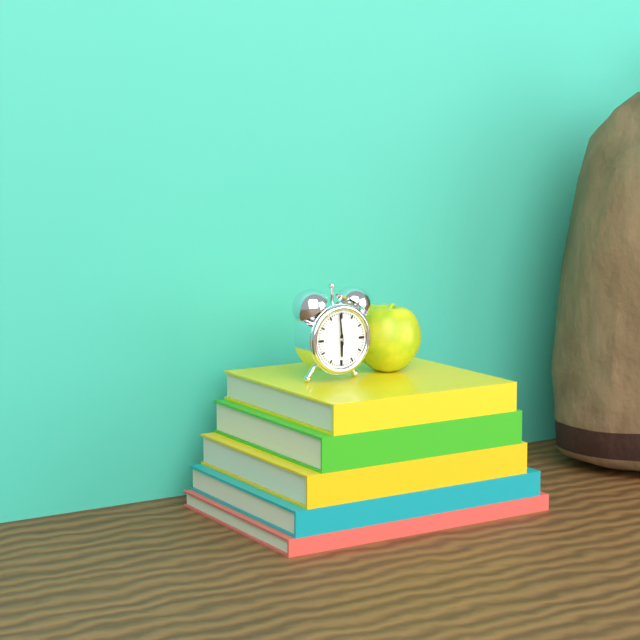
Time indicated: 5:59
